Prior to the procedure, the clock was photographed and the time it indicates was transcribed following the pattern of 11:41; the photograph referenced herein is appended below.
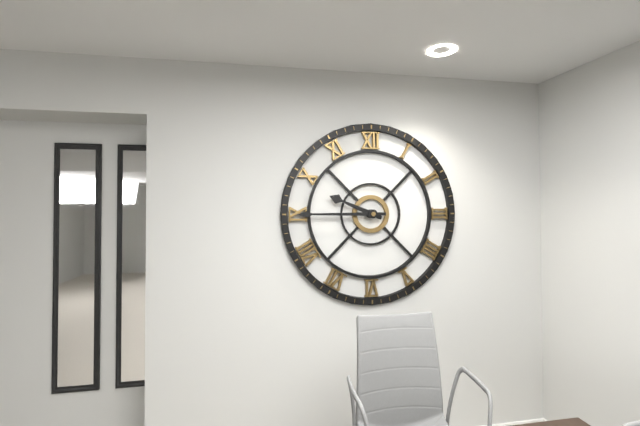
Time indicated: 9:45
